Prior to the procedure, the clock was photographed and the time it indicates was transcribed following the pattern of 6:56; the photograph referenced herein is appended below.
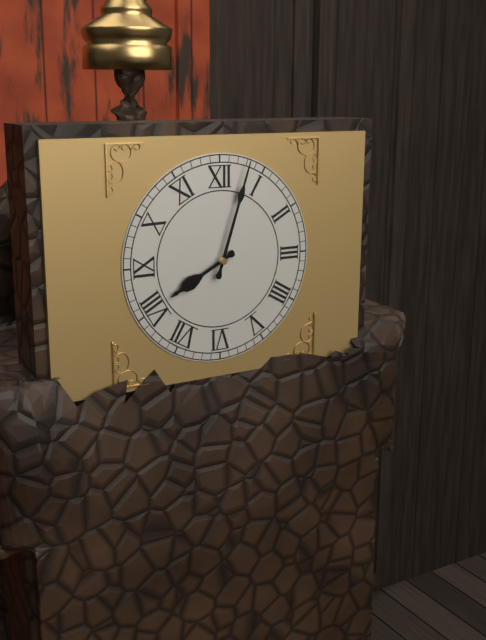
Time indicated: 8:03
